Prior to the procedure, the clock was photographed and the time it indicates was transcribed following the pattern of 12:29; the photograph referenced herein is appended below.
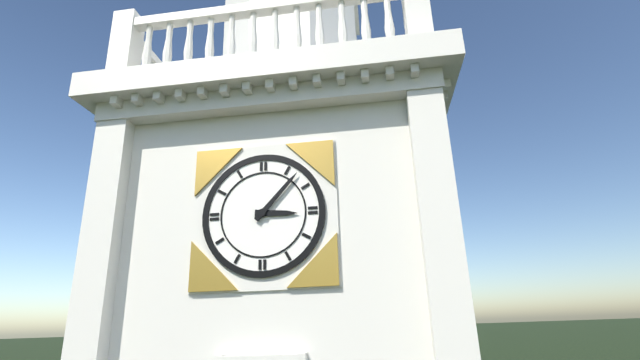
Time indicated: 3:07
